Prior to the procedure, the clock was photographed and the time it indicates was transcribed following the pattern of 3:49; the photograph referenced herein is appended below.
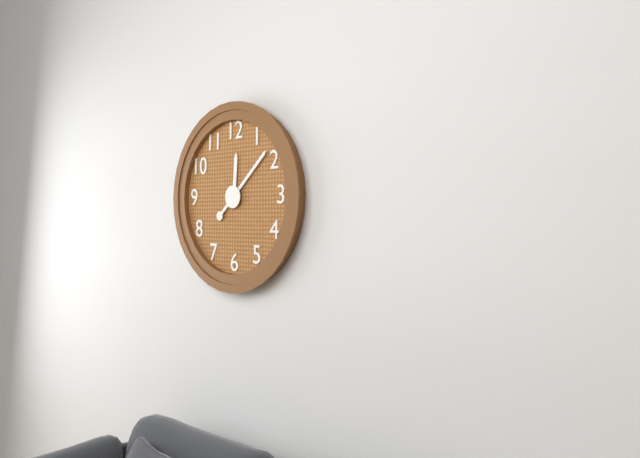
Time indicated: 12:08
